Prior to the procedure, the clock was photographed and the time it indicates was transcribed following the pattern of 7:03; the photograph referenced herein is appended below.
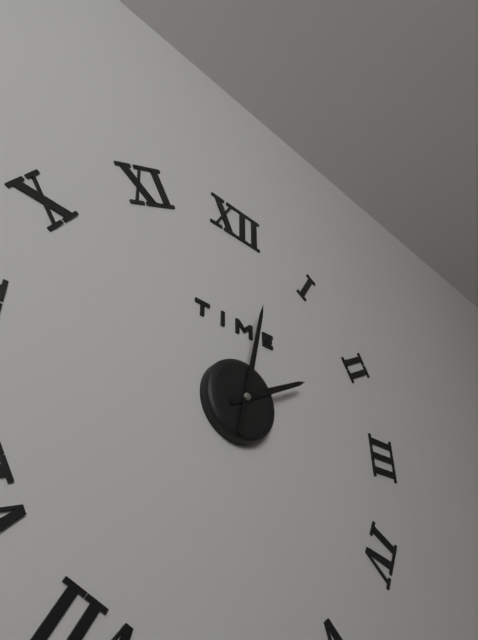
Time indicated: 2:02
